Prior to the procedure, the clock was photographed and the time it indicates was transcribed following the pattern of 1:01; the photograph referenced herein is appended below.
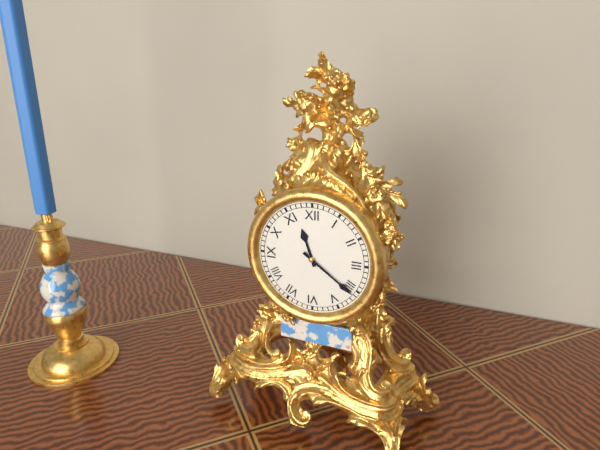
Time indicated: 11:21
